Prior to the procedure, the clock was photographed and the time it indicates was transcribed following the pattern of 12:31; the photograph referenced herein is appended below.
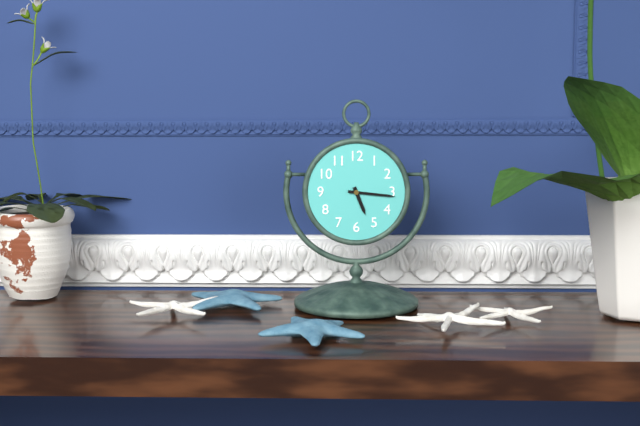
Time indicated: 5:16
